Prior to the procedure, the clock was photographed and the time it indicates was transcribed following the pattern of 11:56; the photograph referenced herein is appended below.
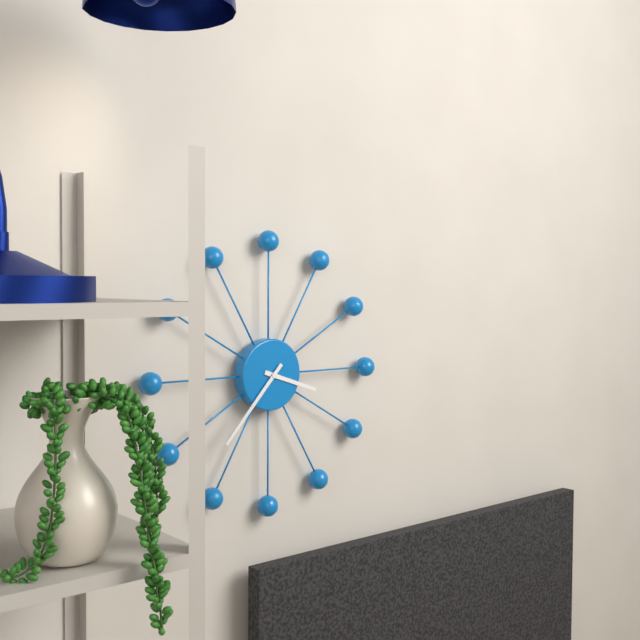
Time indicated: 3:37
